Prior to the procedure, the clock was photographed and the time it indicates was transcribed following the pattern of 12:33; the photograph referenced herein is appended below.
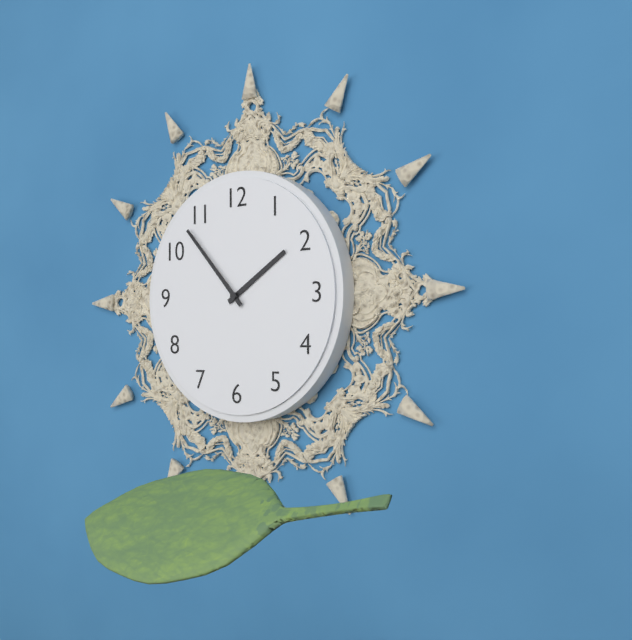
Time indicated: 1:53
